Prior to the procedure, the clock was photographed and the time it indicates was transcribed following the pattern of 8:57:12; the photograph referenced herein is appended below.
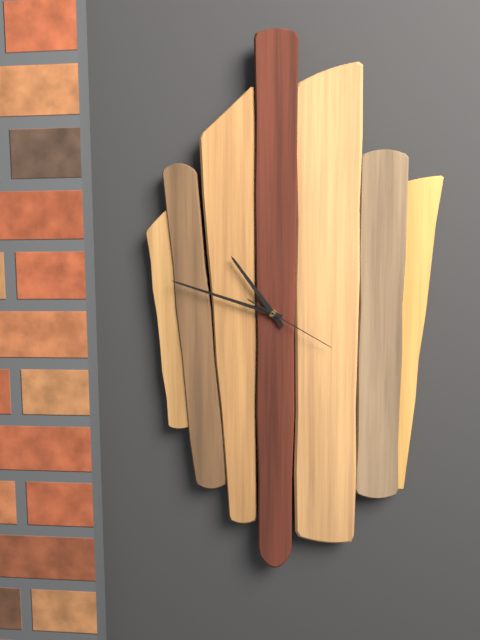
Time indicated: 10:48:20
